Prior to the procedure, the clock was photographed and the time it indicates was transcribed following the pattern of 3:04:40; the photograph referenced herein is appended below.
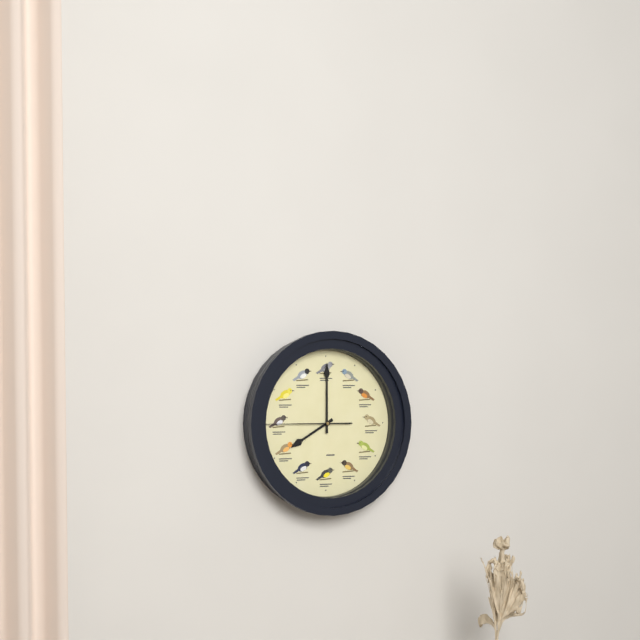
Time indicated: 8:00:45
